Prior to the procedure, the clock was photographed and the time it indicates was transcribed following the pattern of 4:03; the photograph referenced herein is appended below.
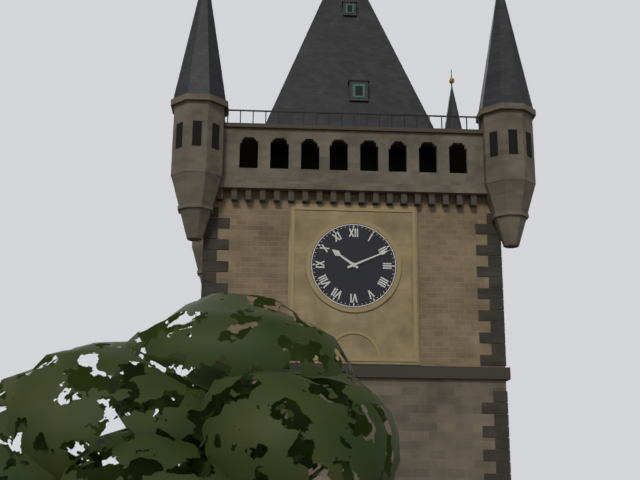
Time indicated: 10:11
